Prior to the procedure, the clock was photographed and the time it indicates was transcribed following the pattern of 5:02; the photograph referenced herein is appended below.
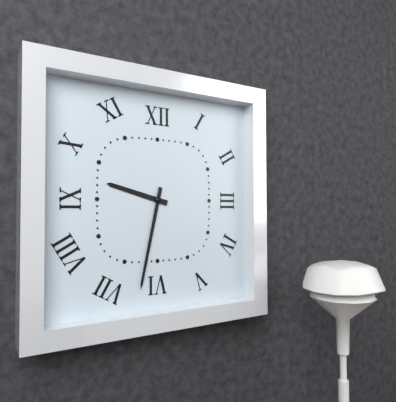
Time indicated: 9:32
